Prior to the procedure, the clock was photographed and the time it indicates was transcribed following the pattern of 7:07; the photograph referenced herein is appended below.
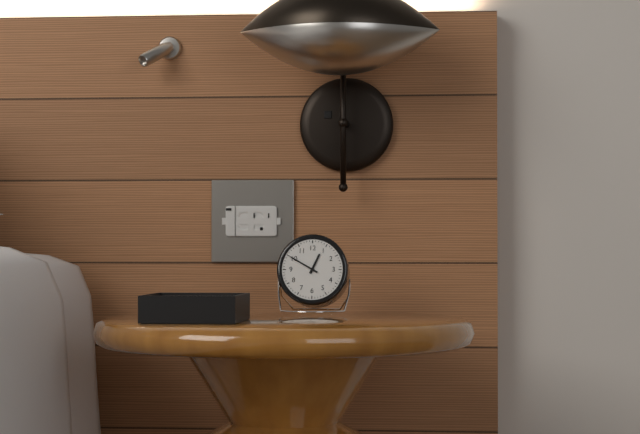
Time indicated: 12:50
